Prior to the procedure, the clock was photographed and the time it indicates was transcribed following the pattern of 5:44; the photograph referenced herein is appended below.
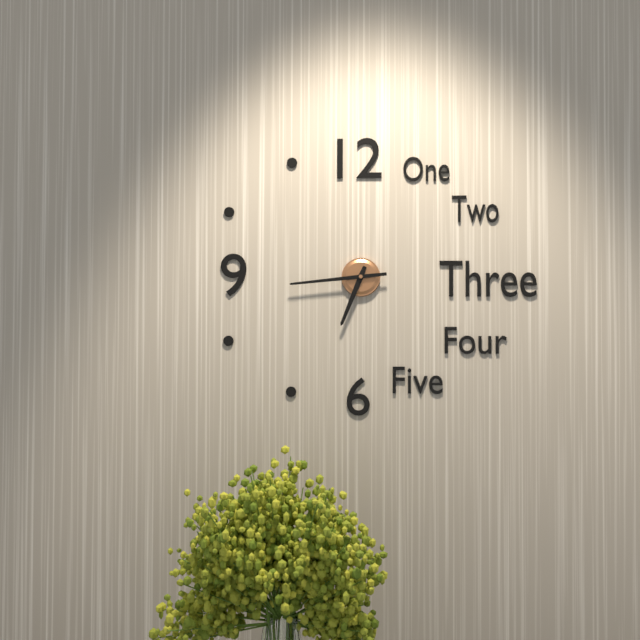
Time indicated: 6:44
